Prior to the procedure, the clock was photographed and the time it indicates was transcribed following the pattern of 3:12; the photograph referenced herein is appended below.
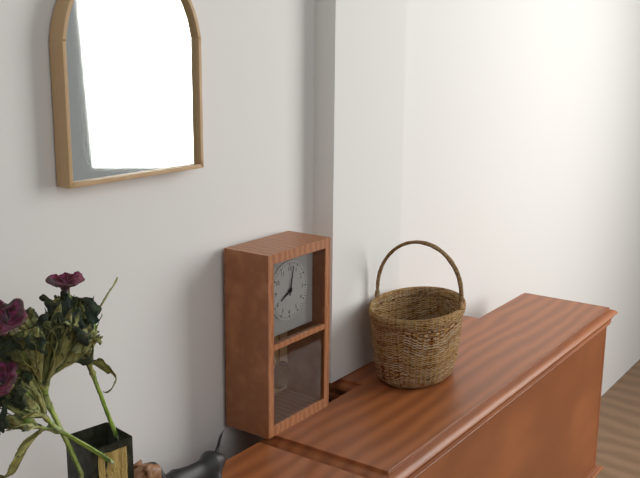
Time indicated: 8:02
